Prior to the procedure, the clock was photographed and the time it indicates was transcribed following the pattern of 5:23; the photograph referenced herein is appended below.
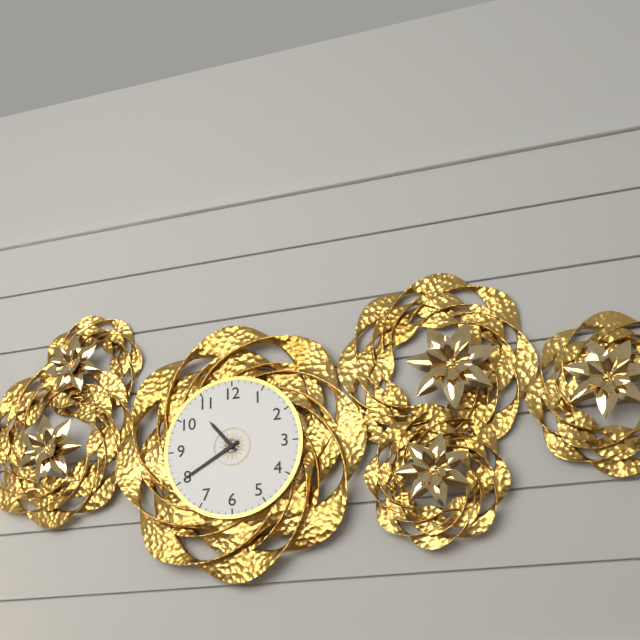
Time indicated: 10:40
